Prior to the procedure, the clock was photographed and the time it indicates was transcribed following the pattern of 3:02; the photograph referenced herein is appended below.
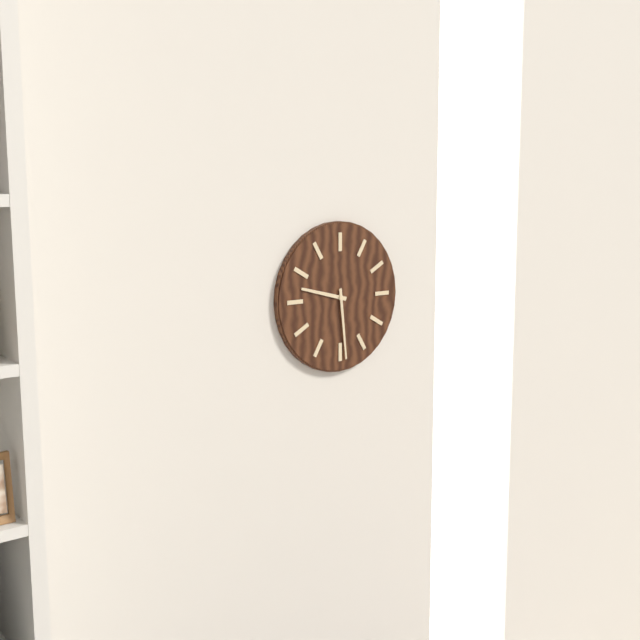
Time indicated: 9:29
